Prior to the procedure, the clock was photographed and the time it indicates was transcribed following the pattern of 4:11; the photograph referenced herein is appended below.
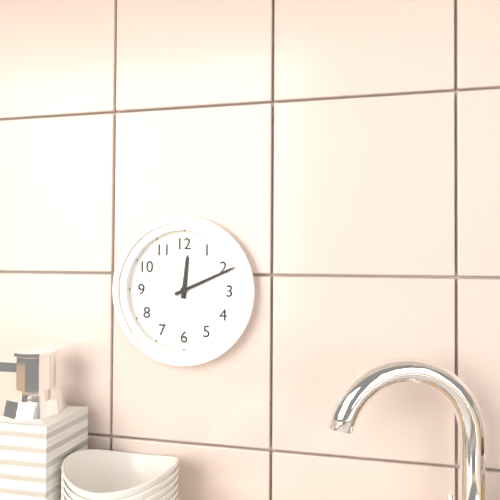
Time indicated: 12:11
